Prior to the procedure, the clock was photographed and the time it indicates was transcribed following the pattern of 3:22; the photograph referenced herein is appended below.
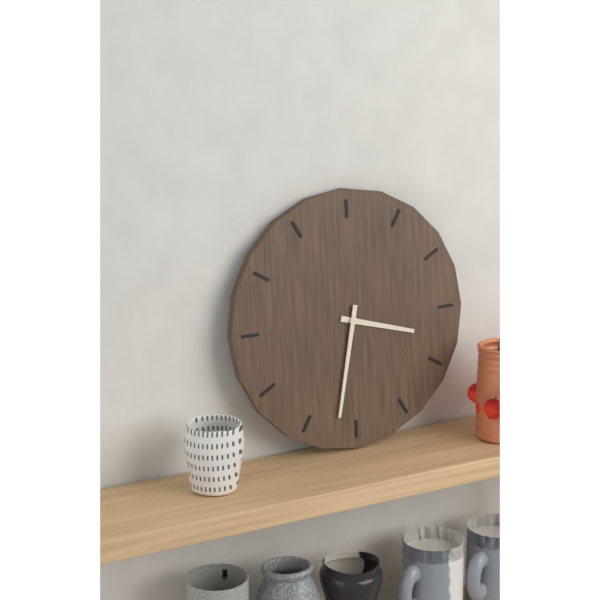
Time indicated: 3:32
